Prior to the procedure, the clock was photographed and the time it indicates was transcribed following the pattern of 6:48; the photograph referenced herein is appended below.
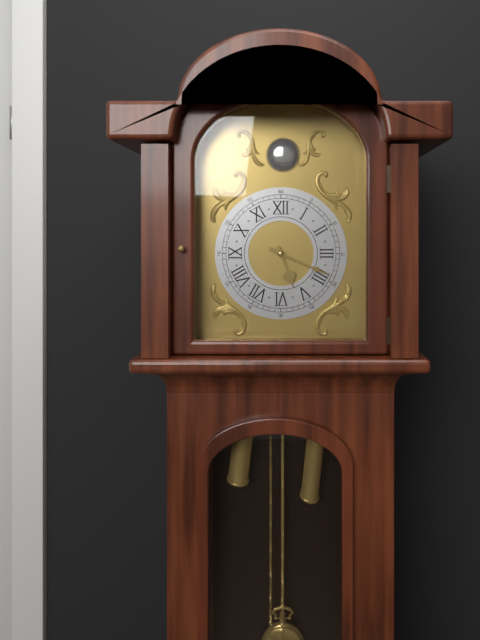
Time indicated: 5:19
